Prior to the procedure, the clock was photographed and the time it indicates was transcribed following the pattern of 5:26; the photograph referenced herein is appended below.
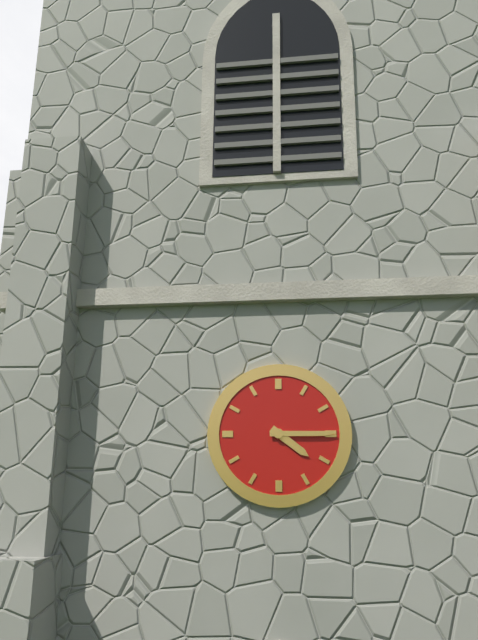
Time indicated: 4:15
